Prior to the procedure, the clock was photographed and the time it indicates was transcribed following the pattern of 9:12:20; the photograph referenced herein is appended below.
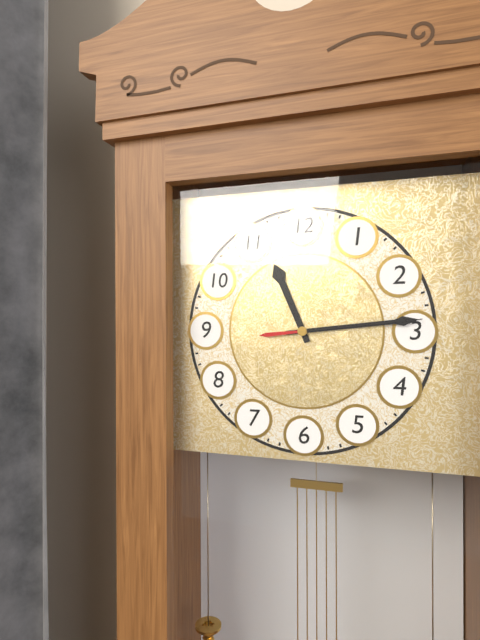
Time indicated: 11:14:14
